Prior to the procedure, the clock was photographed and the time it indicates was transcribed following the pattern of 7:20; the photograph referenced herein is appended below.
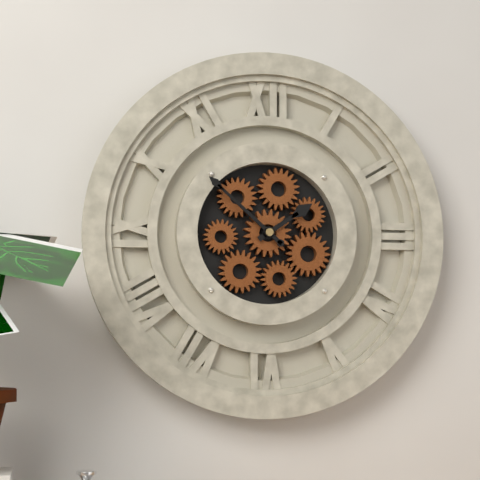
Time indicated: 1:52
